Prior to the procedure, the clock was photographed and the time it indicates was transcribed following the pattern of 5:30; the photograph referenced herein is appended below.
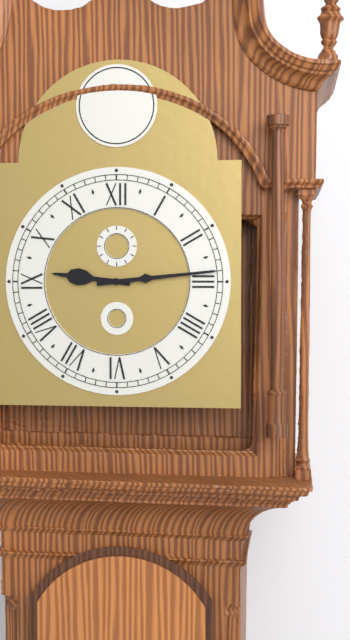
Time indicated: 9:14
